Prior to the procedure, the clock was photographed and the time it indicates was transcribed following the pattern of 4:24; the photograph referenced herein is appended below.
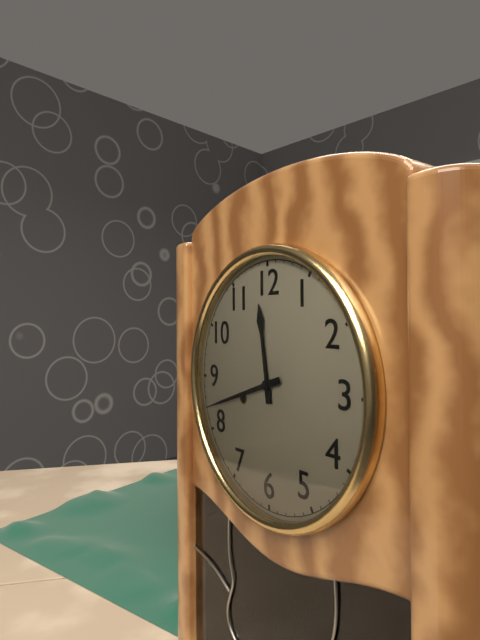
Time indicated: 11:42
